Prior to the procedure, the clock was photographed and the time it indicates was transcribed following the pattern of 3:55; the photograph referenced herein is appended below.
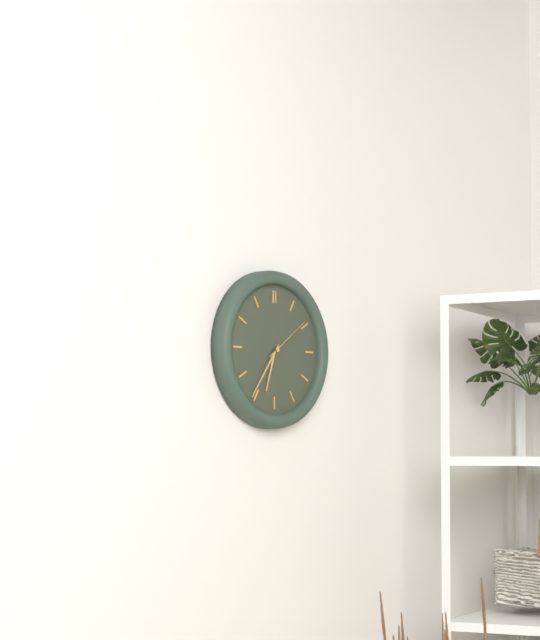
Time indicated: 6:36
